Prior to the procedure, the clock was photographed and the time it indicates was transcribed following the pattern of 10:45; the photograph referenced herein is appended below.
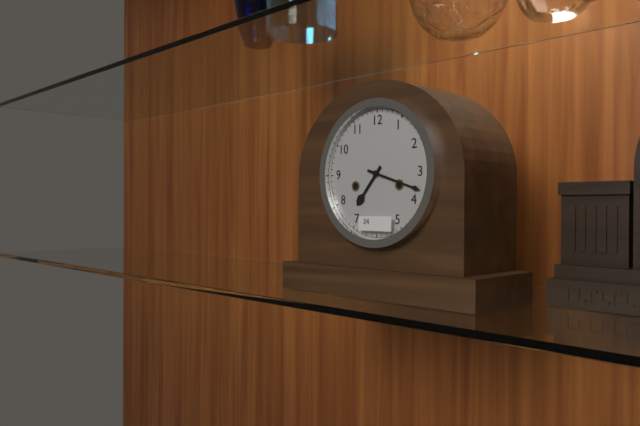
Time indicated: 7:18
